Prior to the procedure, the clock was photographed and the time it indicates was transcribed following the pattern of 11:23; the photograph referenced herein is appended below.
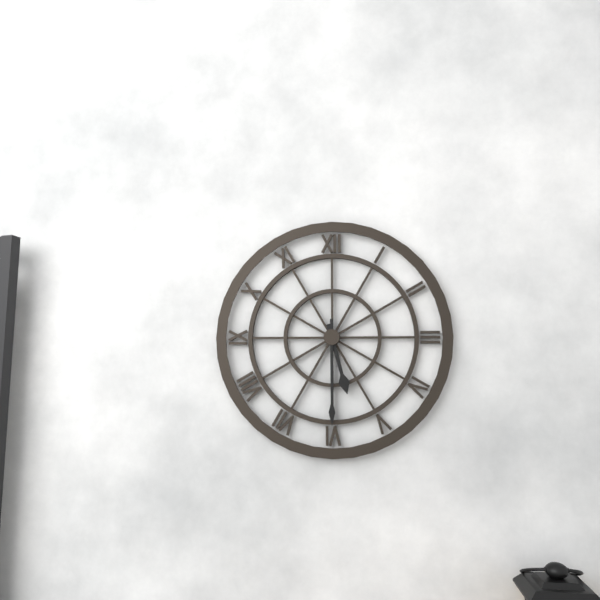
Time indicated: 5:30
